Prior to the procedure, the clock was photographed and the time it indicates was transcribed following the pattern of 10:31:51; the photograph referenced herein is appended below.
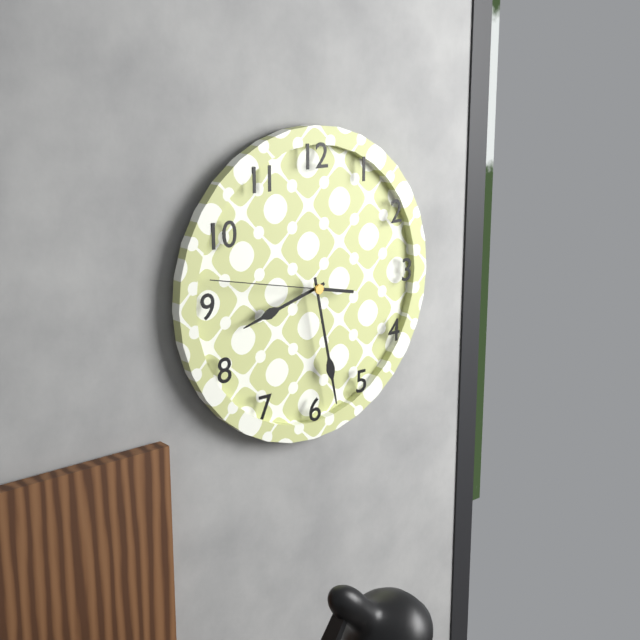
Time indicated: 8:28:47
